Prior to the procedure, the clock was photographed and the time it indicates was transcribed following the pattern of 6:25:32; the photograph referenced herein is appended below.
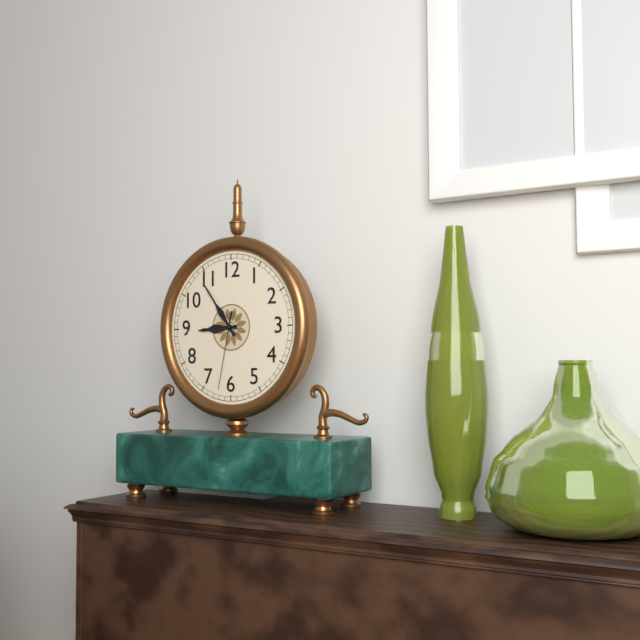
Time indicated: 8:54:32
